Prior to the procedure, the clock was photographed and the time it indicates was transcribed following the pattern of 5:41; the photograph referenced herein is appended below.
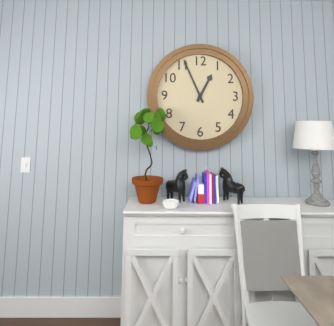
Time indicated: 12:56
